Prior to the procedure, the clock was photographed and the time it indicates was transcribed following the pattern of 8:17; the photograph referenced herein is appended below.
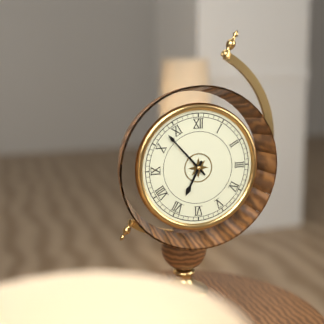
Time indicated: 6:53
